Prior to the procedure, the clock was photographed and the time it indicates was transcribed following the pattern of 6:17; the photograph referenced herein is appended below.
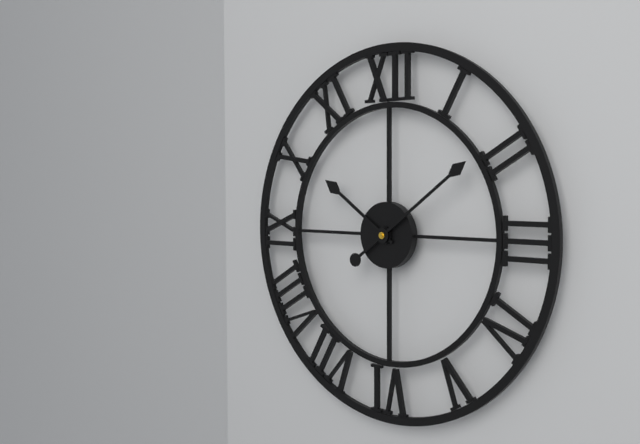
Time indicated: 10:09
